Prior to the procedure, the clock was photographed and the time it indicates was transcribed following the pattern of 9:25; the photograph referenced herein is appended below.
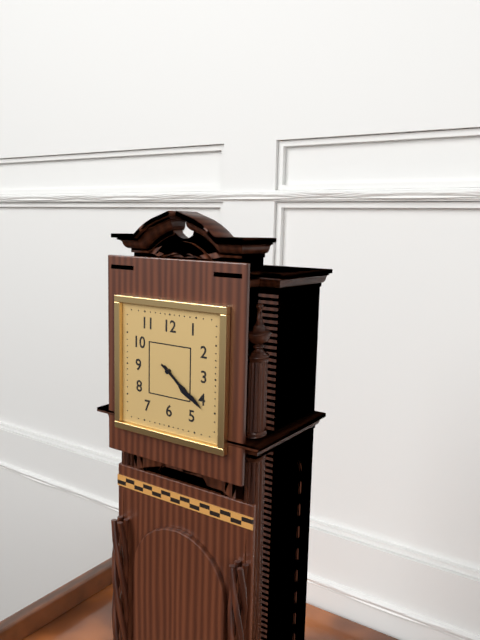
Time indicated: 4:21
